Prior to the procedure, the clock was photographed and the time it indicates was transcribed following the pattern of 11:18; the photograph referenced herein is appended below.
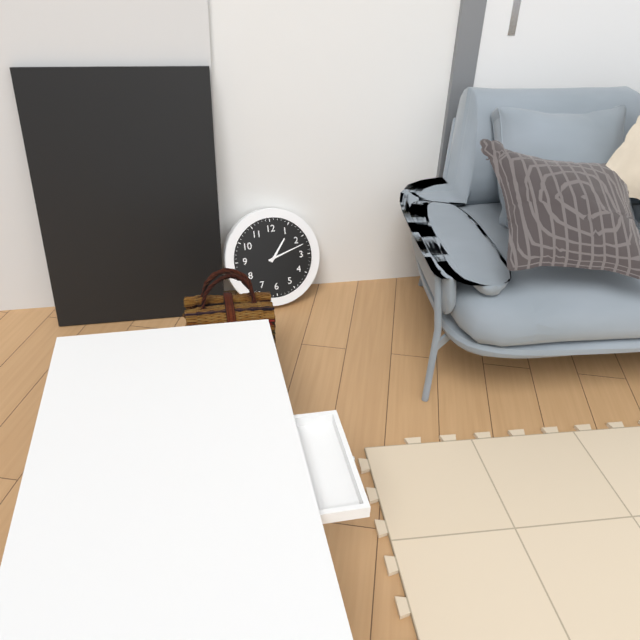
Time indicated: 1:12
